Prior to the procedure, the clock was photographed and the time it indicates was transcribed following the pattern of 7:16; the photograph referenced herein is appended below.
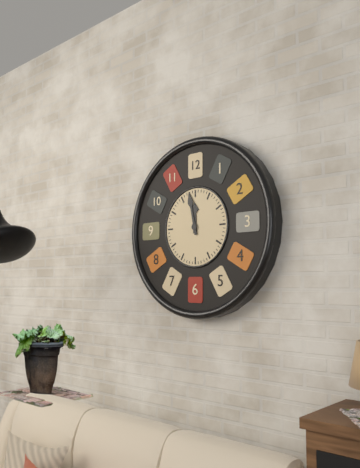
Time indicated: 11:58
